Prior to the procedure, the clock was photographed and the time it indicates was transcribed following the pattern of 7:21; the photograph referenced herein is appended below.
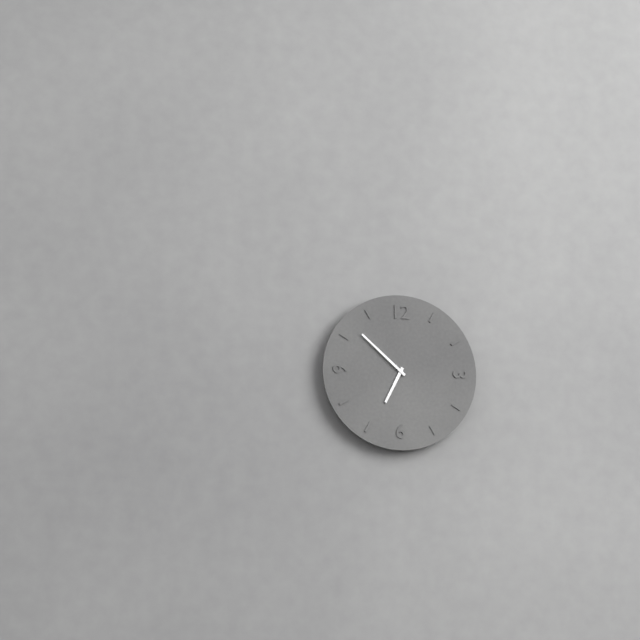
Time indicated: 6:52
